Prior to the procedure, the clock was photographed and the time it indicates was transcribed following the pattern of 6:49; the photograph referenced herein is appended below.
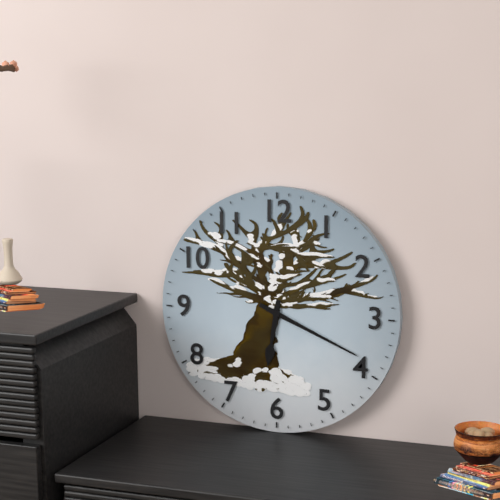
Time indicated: 6:19
